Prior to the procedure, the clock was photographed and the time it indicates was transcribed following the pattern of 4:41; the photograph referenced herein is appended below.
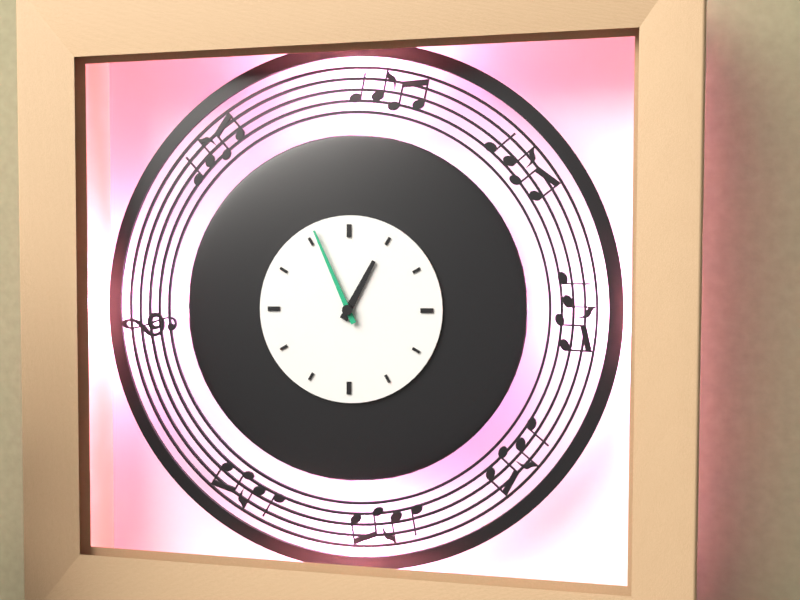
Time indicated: 12:56
